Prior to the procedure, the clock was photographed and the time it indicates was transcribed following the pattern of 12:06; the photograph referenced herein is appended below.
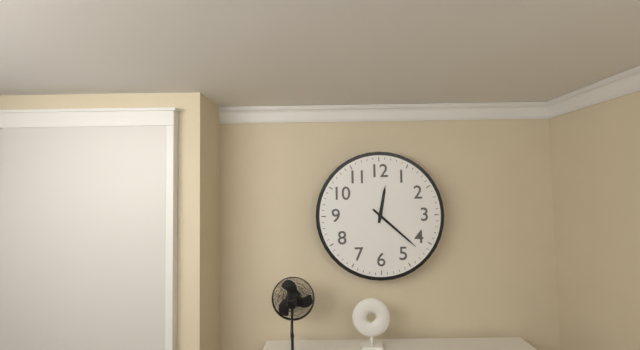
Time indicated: 12:22
